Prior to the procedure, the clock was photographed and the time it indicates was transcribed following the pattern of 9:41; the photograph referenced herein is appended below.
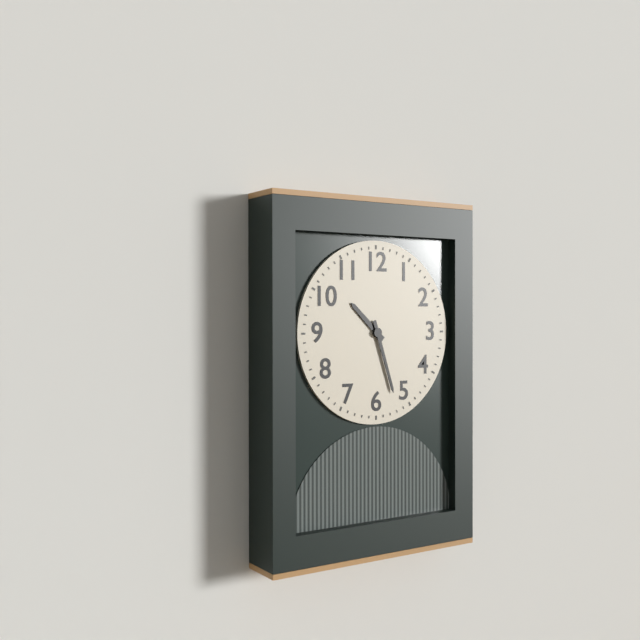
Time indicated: 10:27
